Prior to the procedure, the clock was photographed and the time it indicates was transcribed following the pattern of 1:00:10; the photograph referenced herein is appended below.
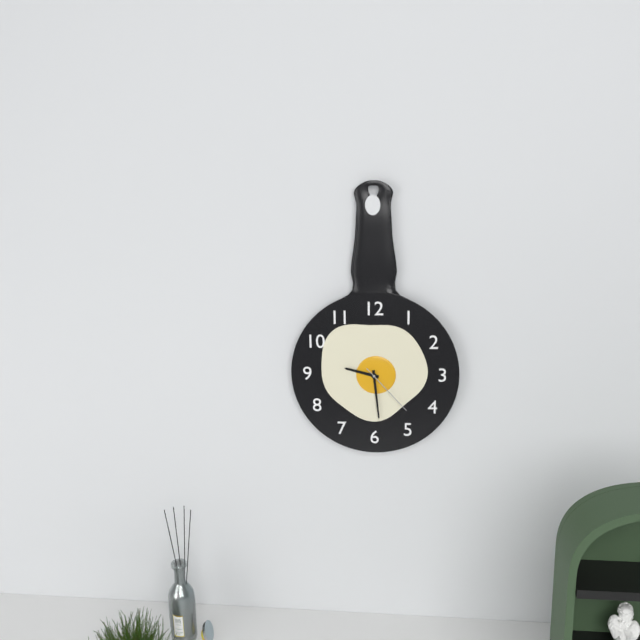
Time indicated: 9:29:23
